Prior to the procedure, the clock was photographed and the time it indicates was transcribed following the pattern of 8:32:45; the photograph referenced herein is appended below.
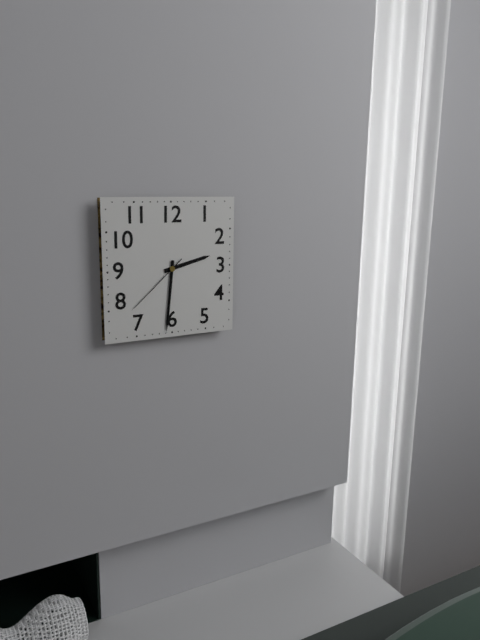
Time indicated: 2:31:38
